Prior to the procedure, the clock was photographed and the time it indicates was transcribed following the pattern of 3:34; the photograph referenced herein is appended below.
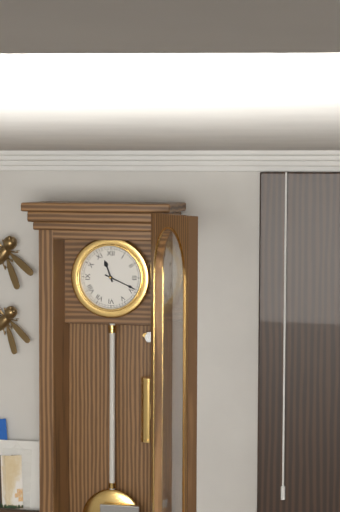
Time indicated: 11:19
